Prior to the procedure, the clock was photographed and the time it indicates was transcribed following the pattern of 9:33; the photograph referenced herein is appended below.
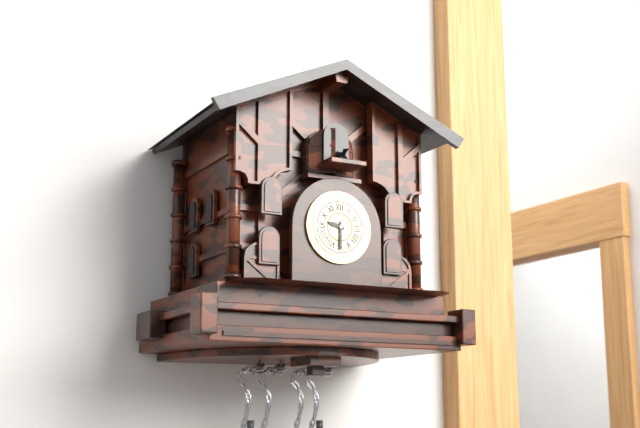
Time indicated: 9:30
